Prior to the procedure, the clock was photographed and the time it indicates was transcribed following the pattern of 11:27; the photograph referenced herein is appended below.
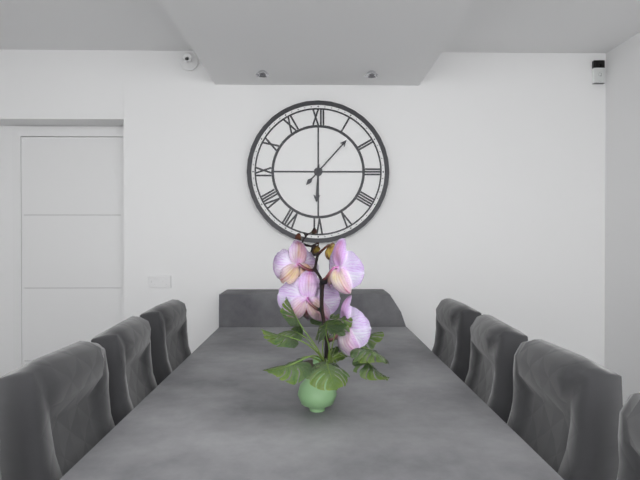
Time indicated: 6:07
